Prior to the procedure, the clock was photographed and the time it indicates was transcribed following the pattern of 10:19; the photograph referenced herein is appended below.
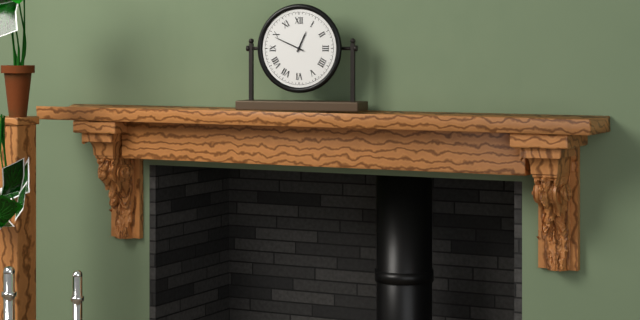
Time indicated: 12:49
